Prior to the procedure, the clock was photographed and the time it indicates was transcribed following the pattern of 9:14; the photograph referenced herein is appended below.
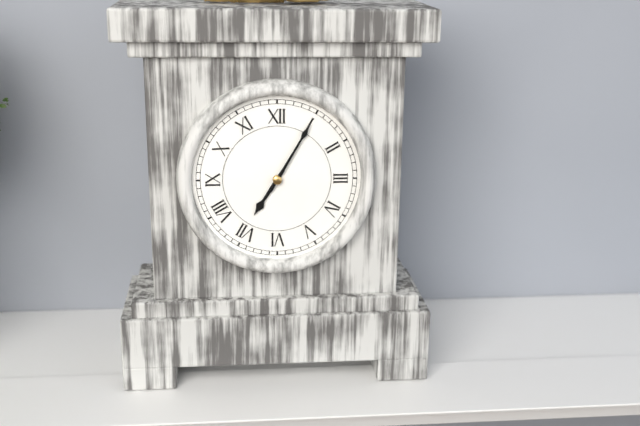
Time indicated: 7:05
